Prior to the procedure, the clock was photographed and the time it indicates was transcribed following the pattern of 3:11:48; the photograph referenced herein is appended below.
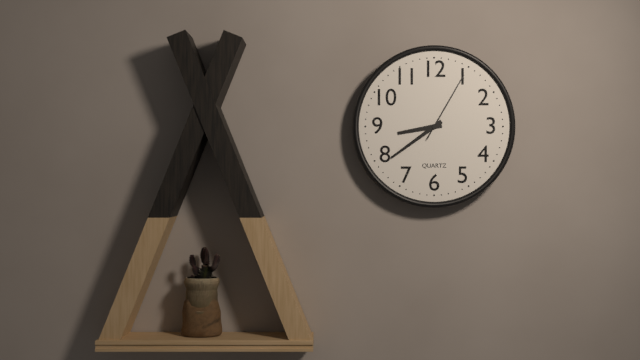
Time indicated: 8:39:05
